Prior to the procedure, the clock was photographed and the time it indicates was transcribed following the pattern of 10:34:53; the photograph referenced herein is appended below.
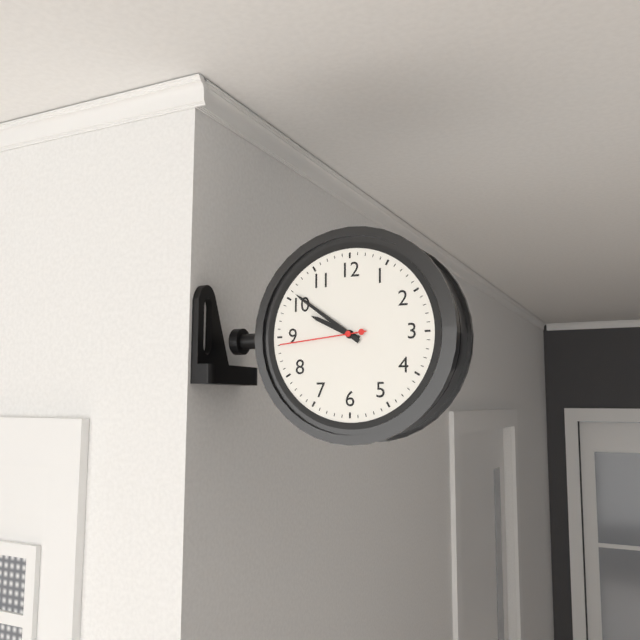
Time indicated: 9:51:44
